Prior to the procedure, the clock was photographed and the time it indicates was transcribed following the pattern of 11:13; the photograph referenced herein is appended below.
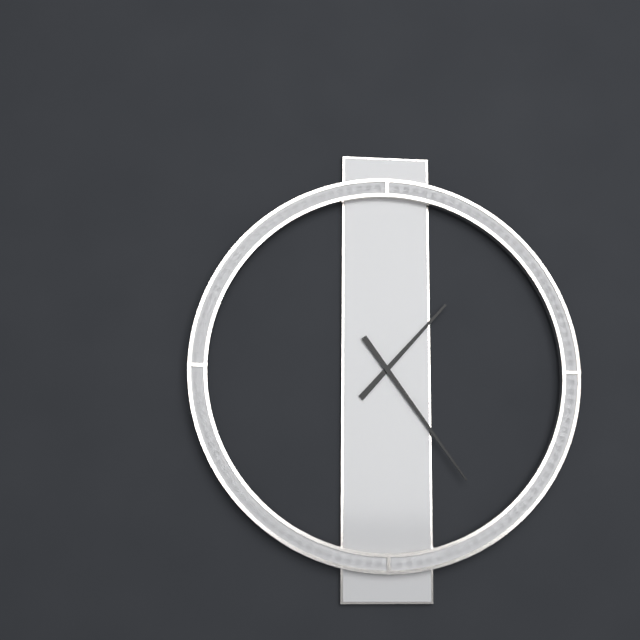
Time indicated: 1:24
